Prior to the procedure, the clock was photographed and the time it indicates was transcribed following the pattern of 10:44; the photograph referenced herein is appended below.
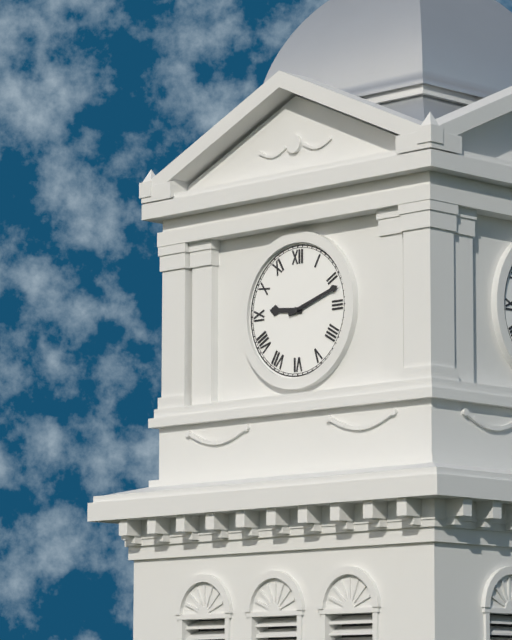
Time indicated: 9:12
